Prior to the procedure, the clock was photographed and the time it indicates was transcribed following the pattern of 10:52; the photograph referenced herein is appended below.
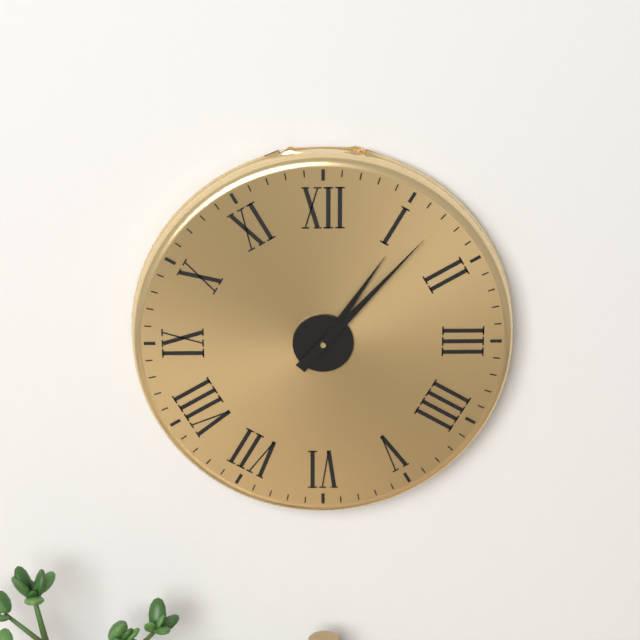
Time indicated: 1:07
